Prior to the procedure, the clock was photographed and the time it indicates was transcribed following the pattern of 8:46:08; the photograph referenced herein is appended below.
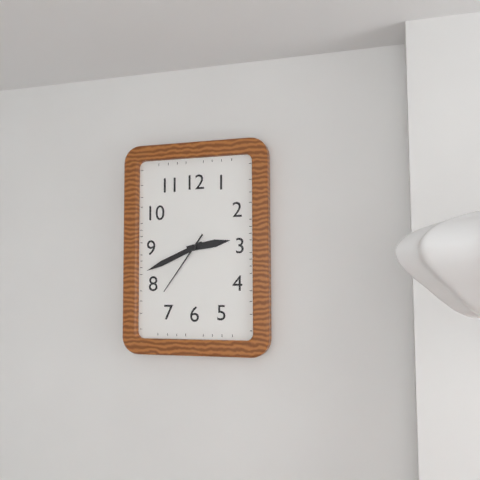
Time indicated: 2:41:36
